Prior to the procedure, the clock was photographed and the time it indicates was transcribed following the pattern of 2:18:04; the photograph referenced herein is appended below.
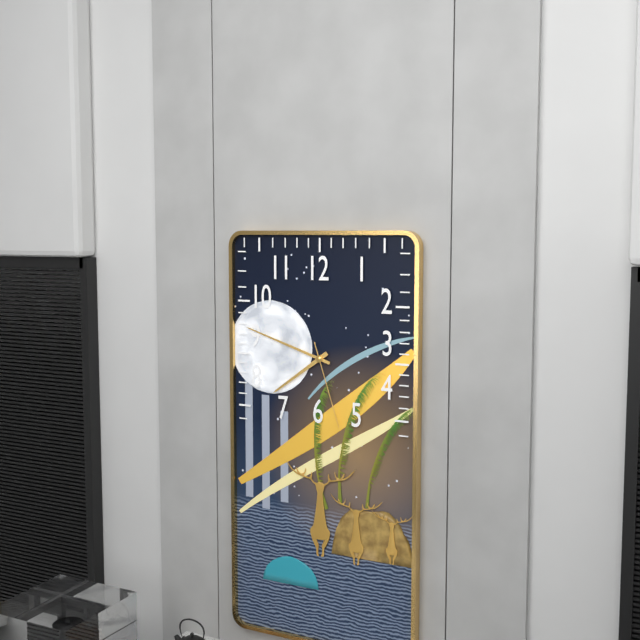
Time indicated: 7:48:27
